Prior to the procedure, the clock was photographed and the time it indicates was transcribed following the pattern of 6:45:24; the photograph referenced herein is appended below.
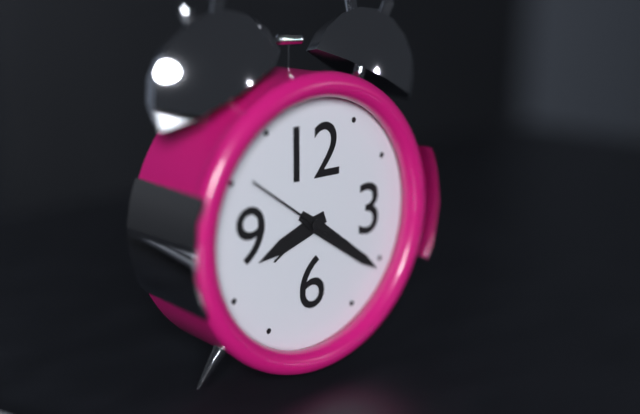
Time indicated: 8:21:51
